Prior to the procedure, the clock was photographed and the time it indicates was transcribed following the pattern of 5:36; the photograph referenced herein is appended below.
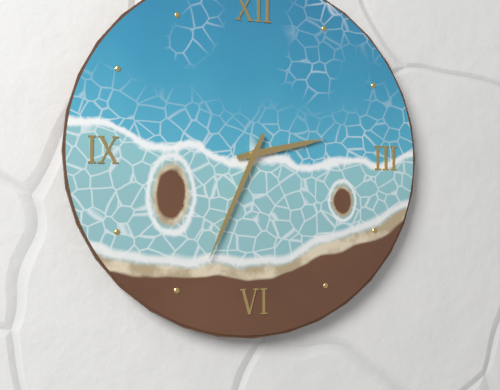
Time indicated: 2:34
